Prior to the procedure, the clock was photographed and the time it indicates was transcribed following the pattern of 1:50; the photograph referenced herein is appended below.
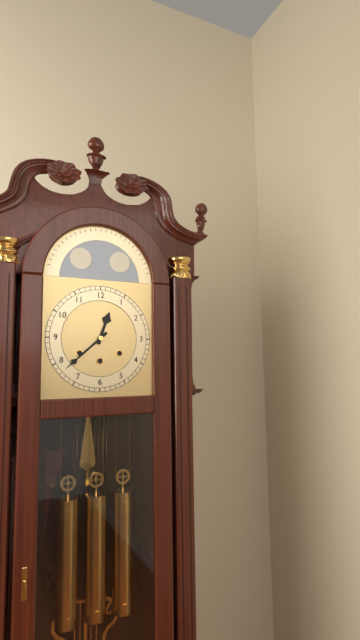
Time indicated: 12:38
